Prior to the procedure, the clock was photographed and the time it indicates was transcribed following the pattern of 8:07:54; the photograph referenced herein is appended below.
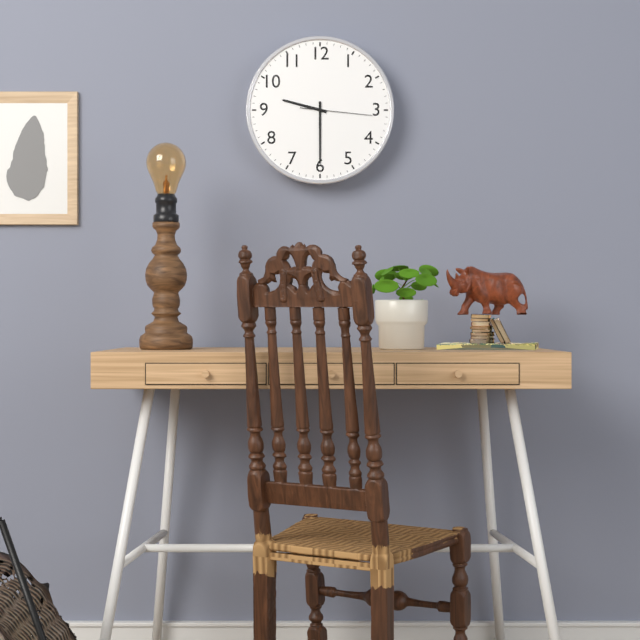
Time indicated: 9:30:16
